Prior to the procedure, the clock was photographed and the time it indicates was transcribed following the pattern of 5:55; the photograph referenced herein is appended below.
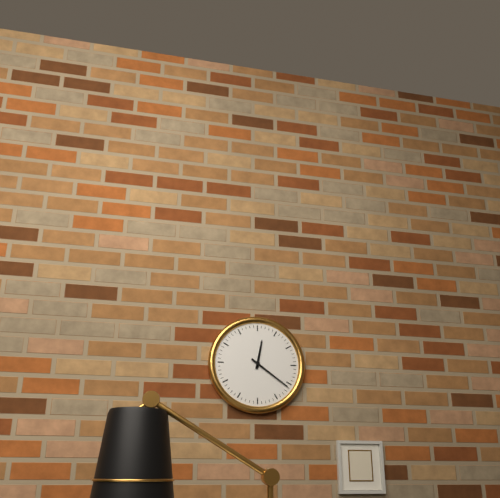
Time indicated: 12:21
